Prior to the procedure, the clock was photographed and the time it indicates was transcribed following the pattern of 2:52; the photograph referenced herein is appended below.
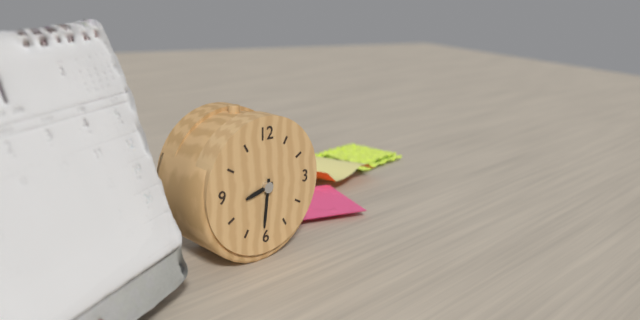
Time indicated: 8:31
